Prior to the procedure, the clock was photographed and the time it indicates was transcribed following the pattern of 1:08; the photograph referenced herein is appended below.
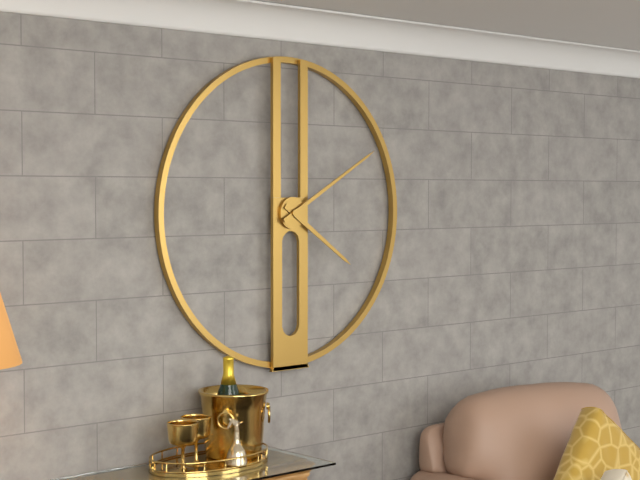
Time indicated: 4:10
